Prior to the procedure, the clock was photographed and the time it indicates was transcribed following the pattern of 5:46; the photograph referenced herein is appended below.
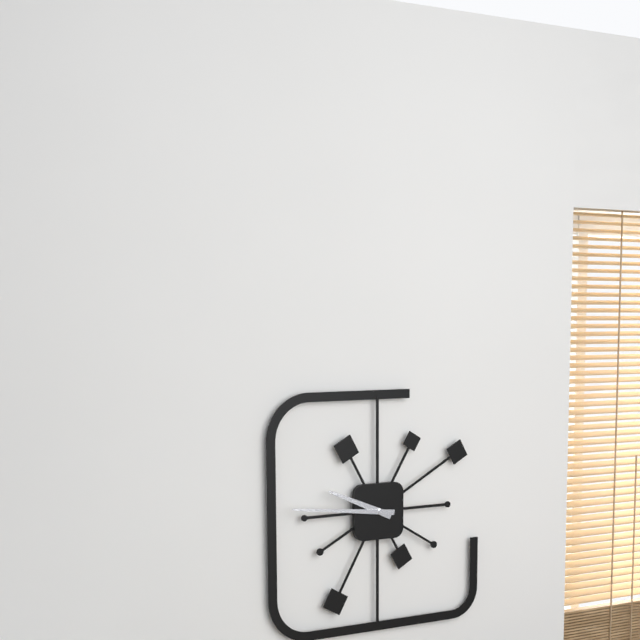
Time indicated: 9:46
